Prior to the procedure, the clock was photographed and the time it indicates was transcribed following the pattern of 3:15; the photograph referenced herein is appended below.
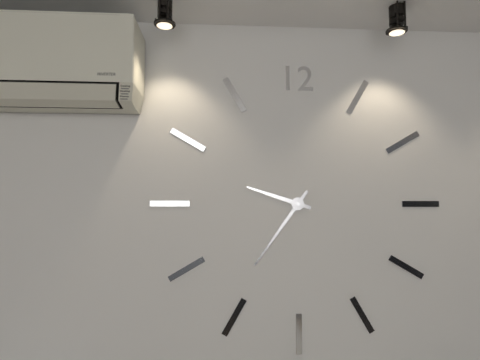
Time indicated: 9:36
